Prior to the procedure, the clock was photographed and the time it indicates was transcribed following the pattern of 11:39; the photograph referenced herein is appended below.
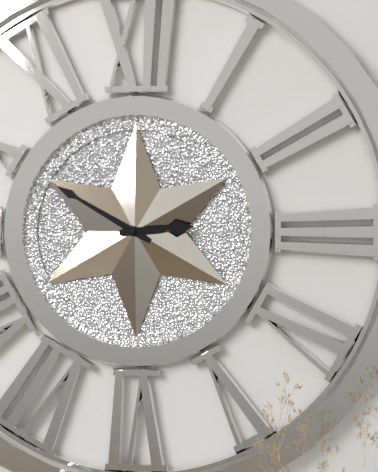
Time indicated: 2:50
